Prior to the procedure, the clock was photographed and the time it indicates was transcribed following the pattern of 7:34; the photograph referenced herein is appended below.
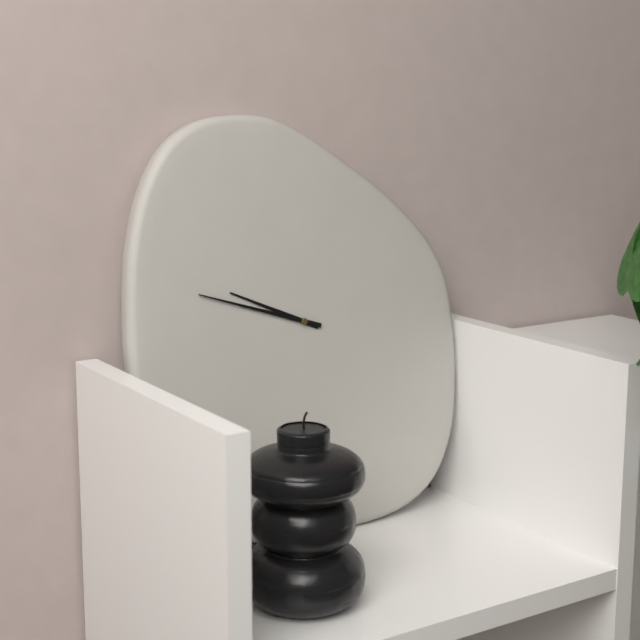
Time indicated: 9:48
